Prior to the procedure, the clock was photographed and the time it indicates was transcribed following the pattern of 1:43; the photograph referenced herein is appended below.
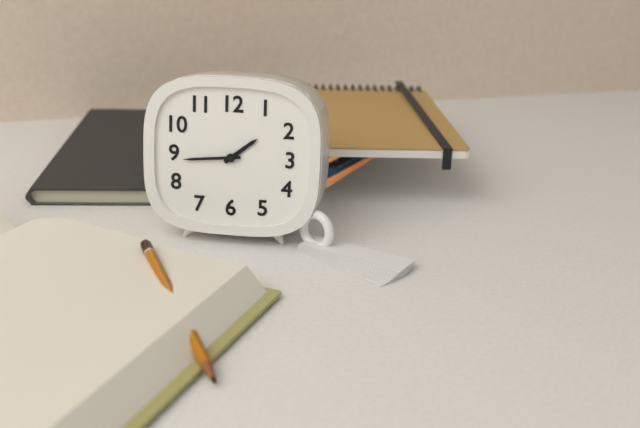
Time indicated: 1:44
